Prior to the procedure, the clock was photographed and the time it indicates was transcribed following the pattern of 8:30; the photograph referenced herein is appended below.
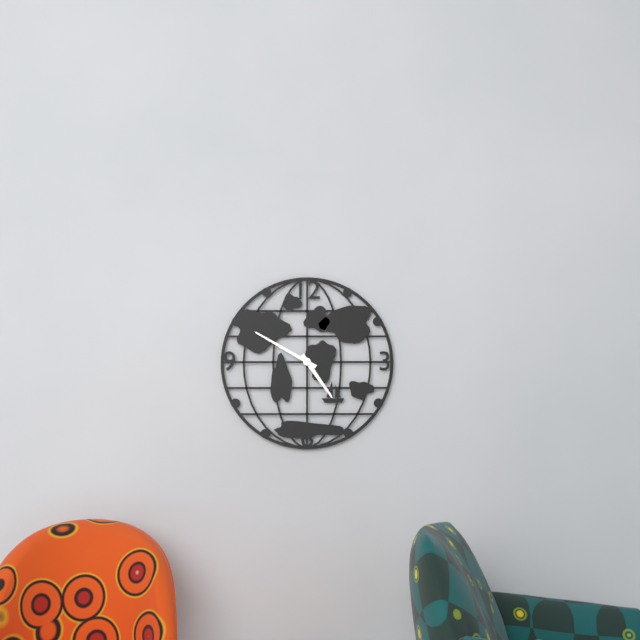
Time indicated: 4:50
